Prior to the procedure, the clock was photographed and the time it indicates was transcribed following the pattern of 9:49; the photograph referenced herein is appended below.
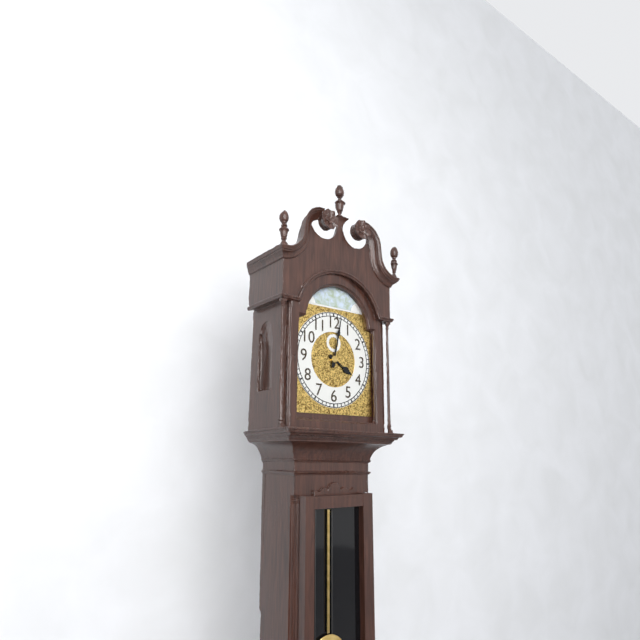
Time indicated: 4:02
